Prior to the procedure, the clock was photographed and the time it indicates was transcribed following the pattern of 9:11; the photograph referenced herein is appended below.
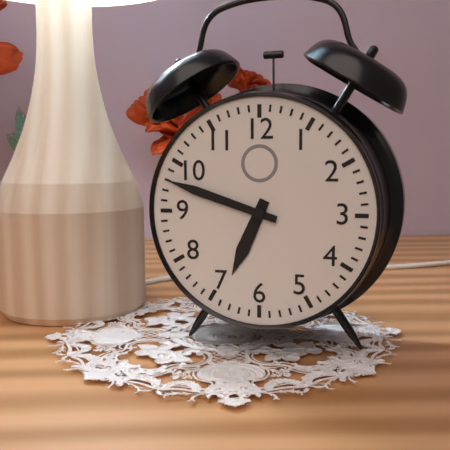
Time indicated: 6:48
